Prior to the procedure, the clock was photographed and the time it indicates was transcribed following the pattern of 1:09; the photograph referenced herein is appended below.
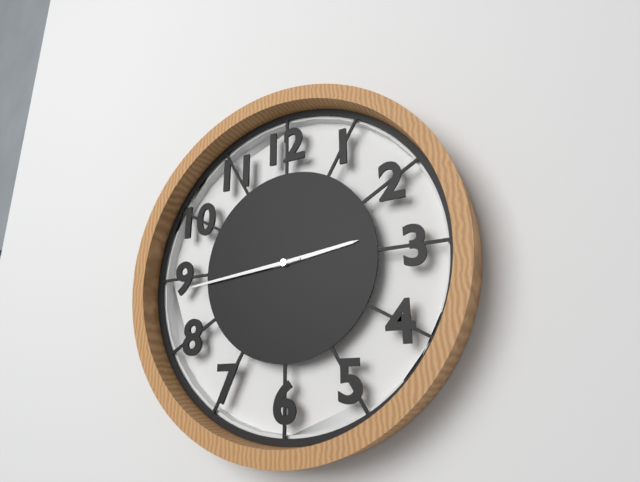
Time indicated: 2:44
